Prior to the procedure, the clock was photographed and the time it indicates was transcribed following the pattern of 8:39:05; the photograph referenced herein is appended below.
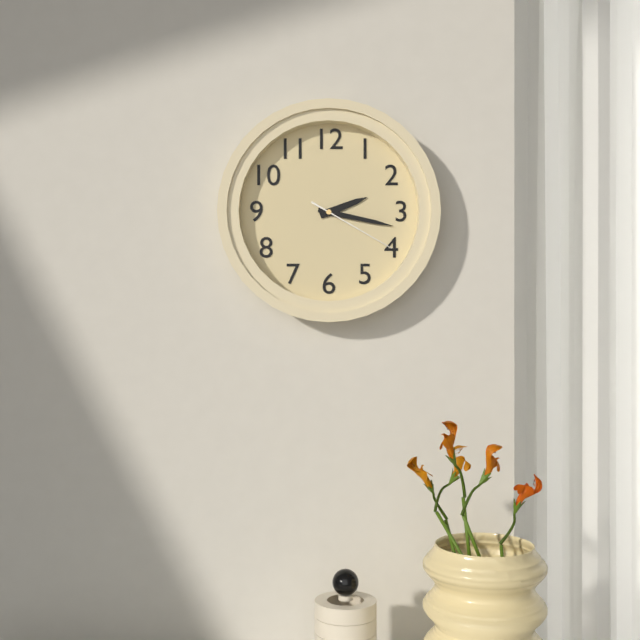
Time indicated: 2:17:20
